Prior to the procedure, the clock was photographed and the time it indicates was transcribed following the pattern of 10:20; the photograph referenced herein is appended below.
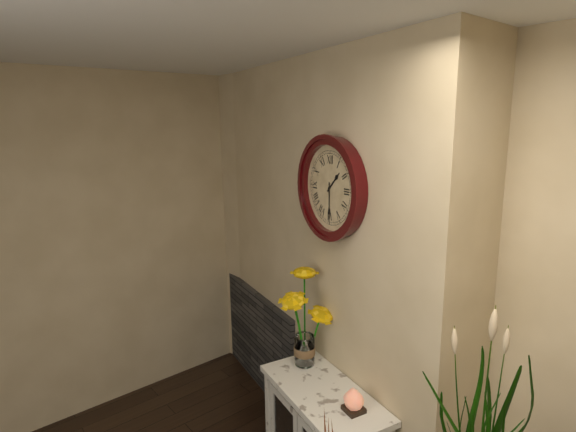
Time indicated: 1:30
